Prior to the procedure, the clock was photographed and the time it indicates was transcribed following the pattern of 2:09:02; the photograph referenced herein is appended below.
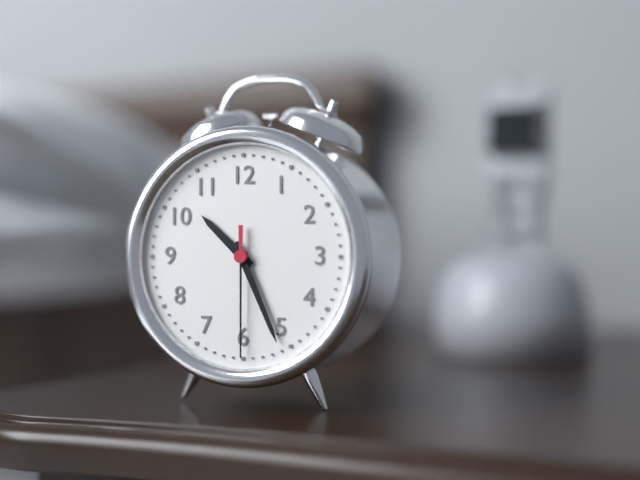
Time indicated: 10:26:30
